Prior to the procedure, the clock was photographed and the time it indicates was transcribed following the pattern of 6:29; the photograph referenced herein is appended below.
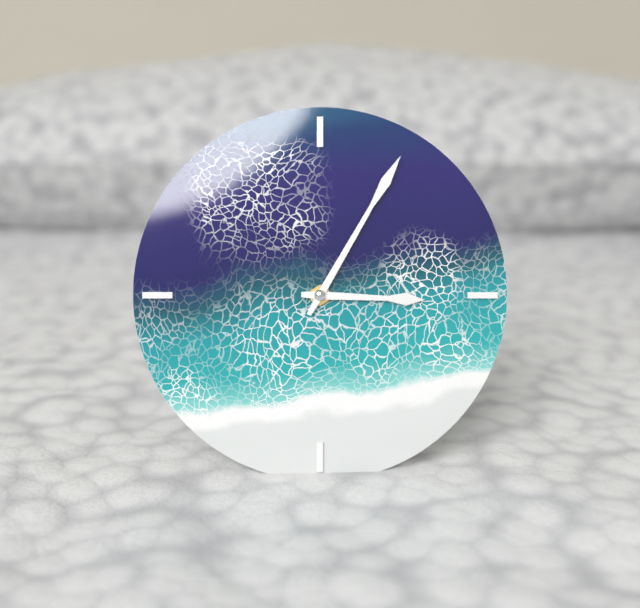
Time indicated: 3:05
